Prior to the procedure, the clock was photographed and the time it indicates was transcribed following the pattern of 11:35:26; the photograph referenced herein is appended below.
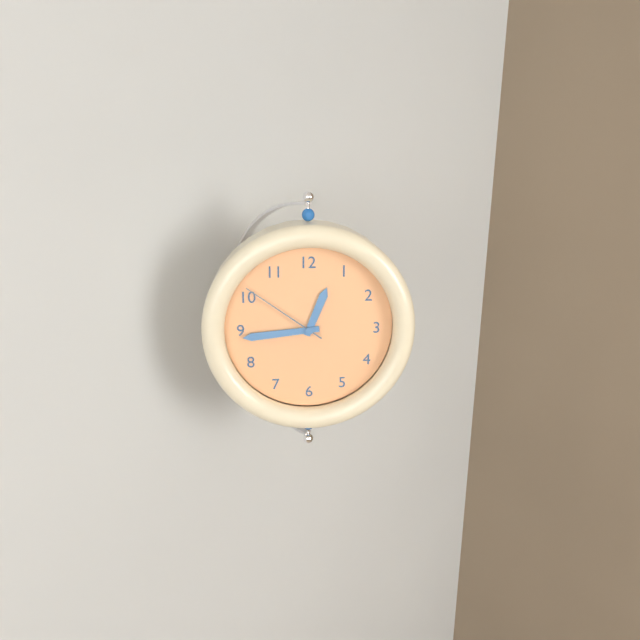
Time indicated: 12:44:51
